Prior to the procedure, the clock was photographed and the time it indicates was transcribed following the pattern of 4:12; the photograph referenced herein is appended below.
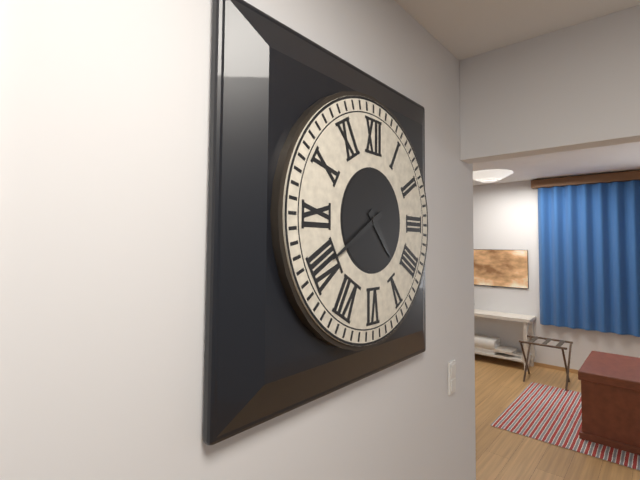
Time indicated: 4:40
